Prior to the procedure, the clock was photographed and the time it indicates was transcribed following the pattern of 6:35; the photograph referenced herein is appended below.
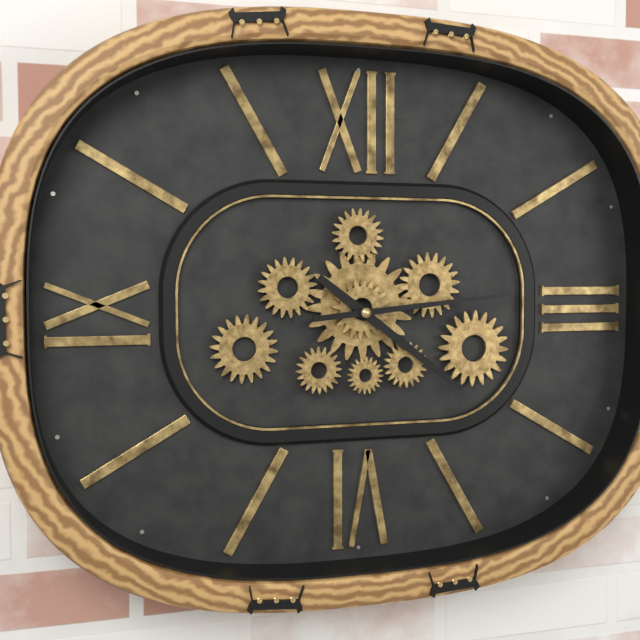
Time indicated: 4:14
